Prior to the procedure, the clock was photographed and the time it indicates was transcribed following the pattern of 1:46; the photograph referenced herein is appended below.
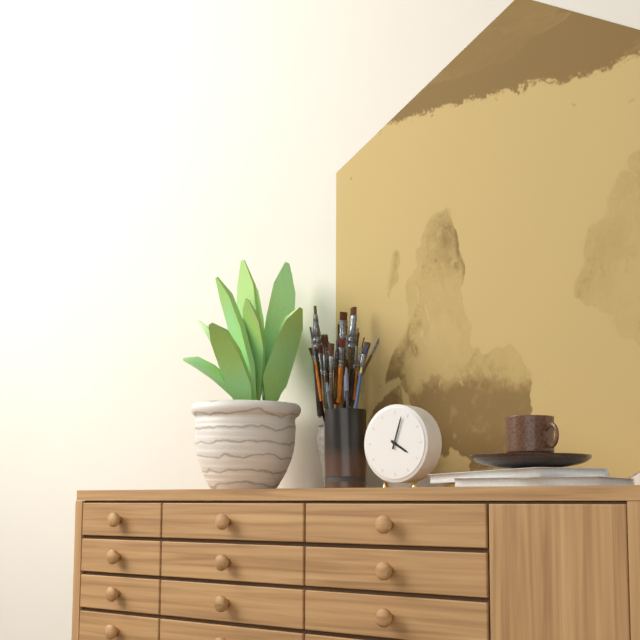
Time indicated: 4:03
